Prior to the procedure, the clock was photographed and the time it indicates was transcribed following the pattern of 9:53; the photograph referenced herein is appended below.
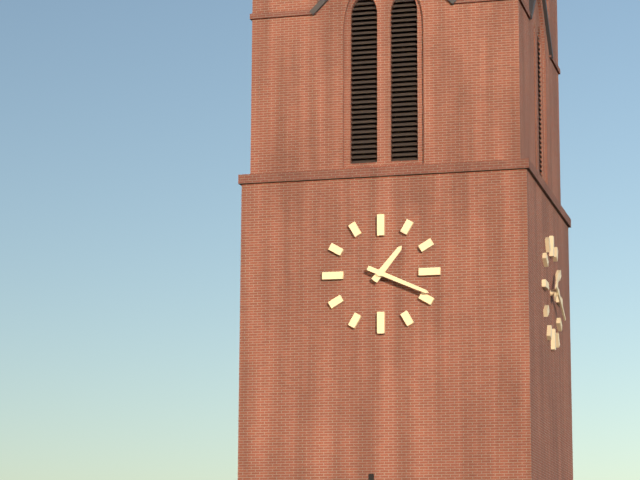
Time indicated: 1:19
